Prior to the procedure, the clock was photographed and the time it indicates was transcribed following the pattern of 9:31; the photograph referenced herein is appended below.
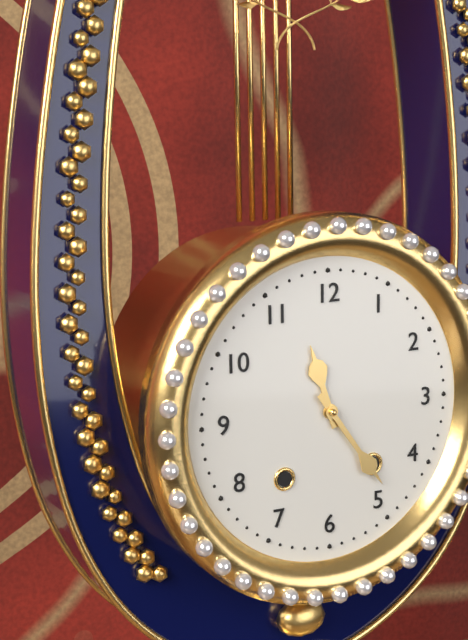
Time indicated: 11:24
